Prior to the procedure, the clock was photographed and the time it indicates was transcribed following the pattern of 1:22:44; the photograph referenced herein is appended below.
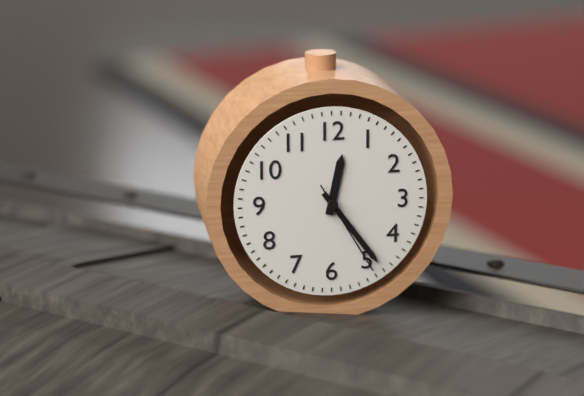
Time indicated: 12:24:25
